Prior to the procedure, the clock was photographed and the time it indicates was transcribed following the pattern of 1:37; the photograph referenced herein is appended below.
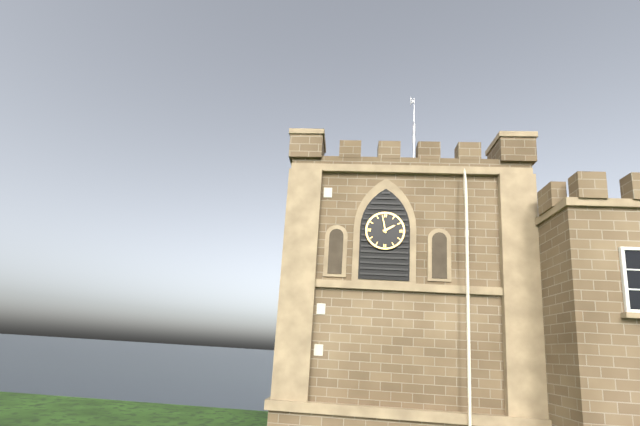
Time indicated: 1:58
